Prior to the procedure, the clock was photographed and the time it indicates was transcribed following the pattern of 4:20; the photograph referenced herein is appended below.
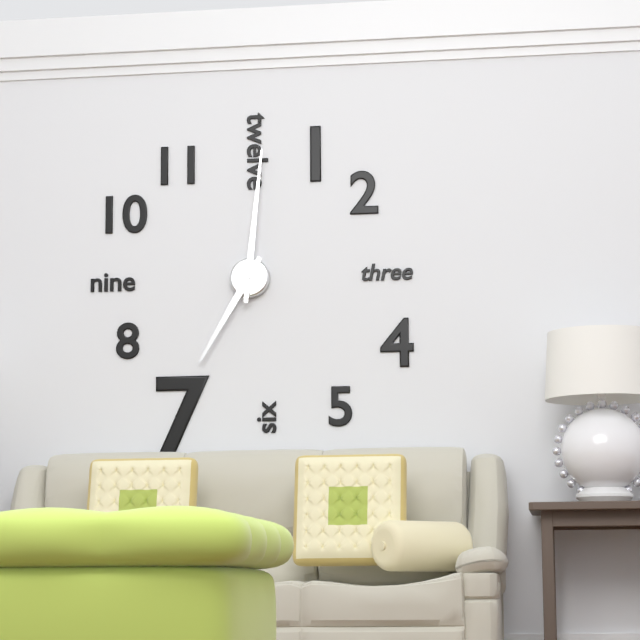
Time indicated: 7:01
